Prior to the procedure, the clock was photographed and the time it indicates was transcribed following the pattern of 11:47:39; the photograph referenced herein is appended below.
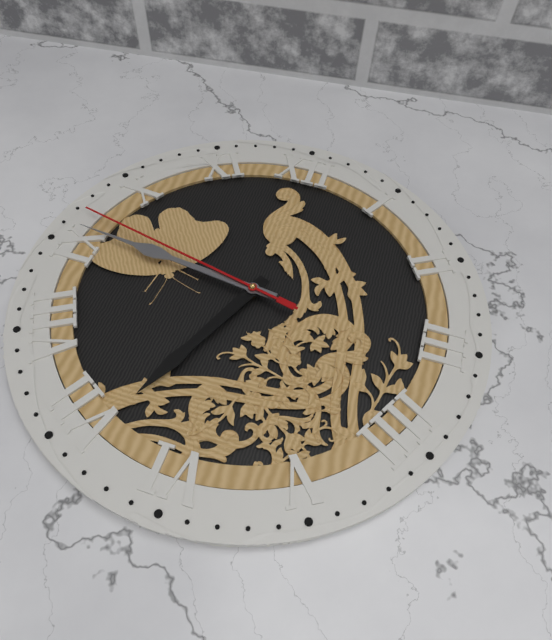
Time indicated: 6:46:47
